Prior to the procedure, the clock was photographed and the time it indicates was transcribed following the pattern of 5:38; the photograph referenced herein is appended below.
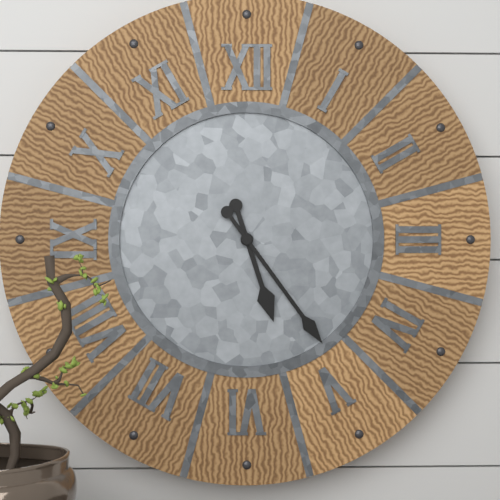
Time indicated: 5:24
